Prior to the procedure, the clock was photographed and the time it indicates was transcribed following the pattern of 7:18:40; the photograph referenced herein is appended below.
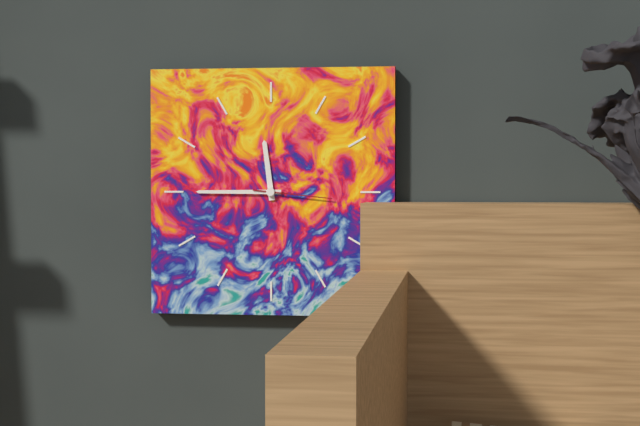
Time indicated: 11:45:16
